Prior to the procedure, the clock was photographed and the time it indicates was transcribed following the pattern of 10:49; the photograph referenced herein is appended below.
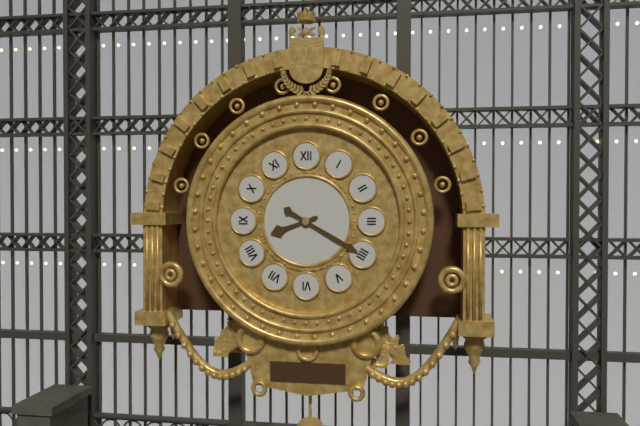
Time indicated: 8:20
